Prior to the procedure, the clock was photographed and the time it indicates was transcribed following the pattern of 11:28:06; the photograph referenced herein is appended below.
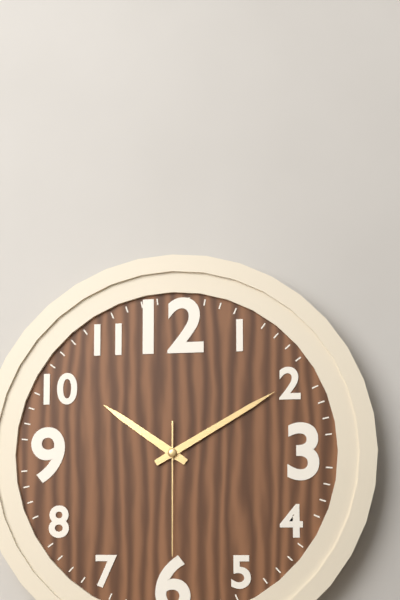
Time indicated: 10:10:30
